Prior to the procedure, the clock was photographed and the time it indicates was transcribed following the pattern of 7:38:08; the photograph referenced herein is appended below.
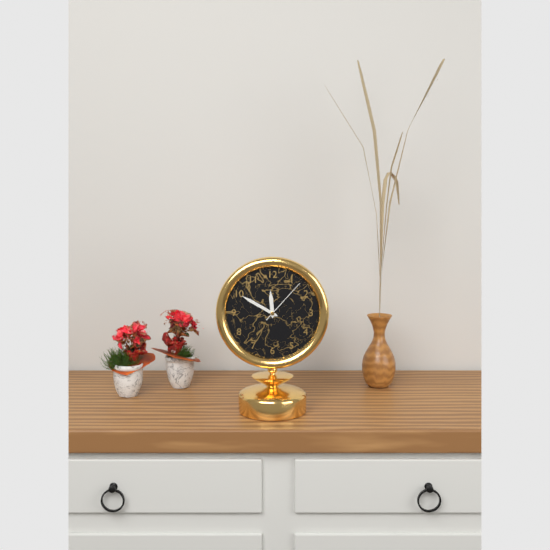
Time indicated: 11:50:07
